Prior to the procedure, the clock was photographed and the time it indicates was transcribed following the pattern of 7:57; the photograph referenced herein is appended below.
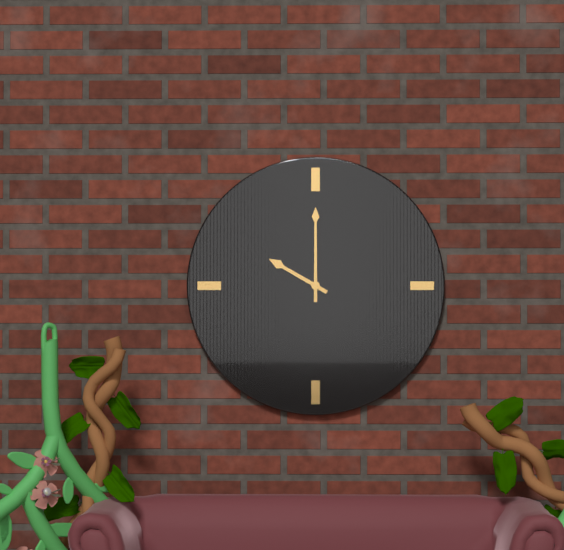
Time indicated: 10:00
